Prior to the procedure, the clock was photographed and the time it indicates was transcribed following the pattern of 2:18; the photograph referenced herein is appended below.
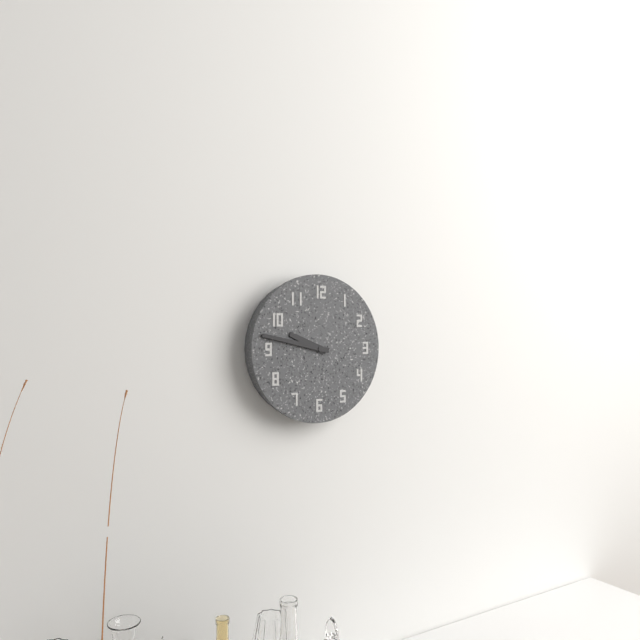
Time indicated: 9:47
